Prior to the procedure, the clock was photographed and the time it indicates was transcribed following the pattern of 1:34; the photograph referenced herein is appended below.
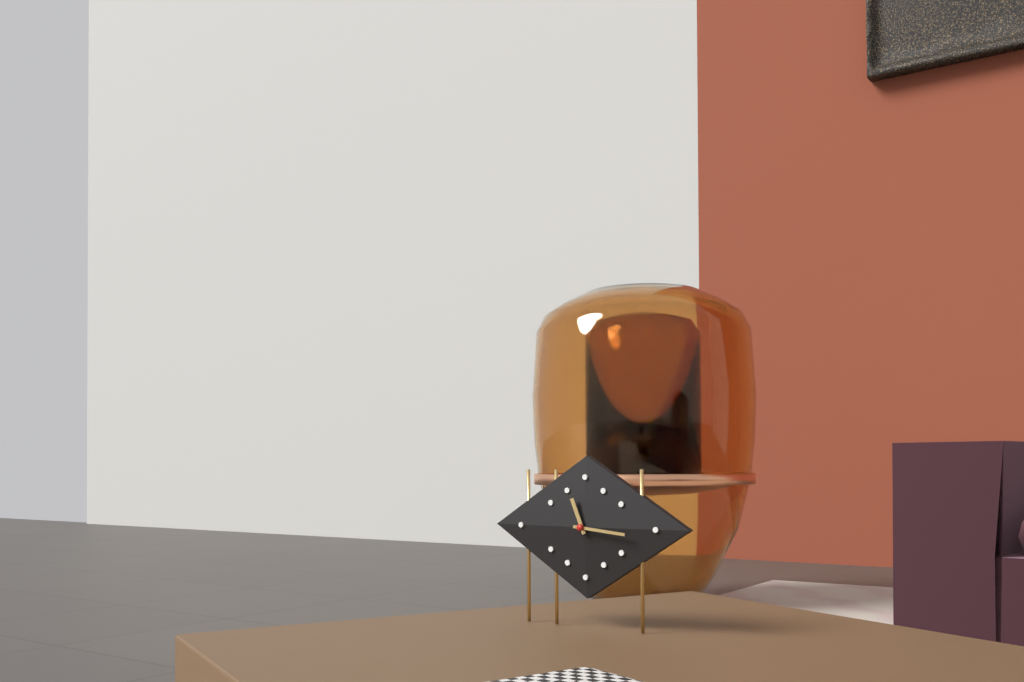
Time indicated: 11:16
